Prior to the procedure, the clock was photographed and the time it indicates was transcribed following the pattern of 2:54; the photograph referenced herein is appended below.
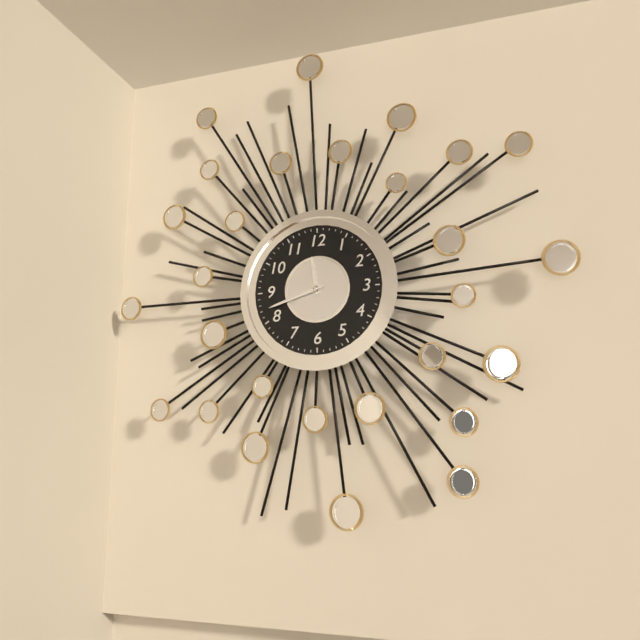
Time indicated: 11:42
